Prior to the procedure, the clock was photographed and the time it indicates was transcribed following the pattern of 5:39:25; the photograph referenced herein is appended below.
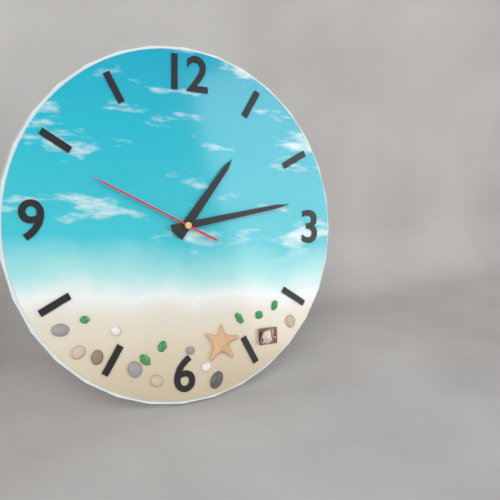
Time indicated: 1:13:49
